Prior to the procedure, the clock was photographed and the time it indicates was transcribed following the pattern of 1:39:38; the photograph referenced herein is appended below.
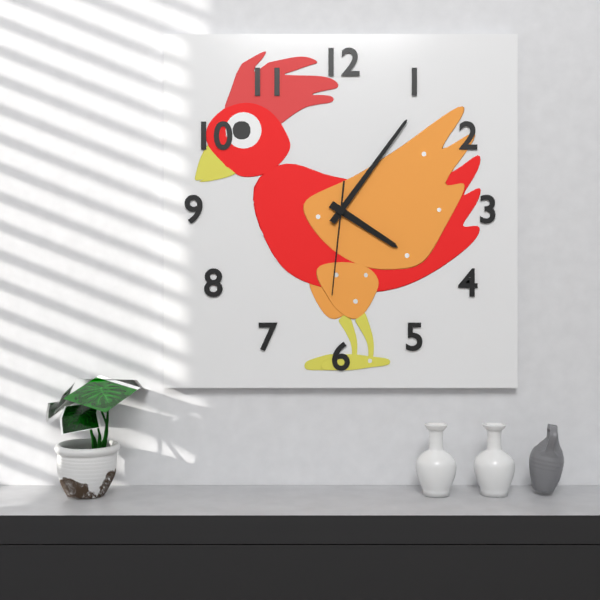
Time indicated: 4:06:31
